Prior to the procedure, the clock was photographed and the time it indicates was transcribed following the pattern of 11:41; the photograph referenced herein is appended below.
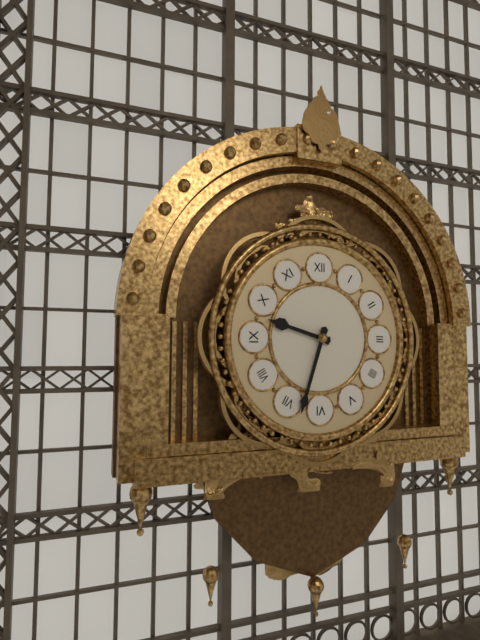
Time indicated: 9:33
